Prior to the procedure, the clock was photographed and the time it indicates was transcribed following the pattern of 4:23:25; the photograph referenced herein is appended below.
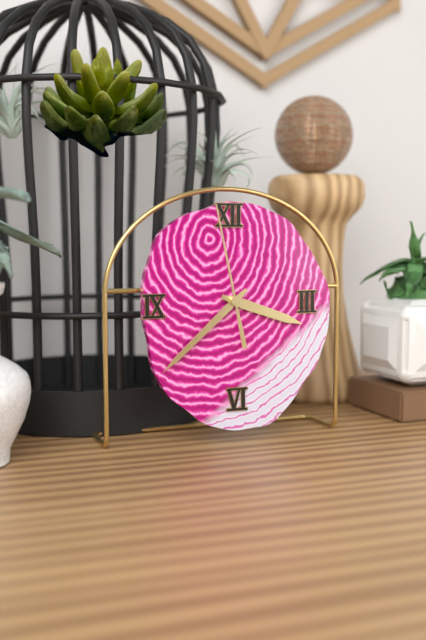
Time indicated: 3:38:58
